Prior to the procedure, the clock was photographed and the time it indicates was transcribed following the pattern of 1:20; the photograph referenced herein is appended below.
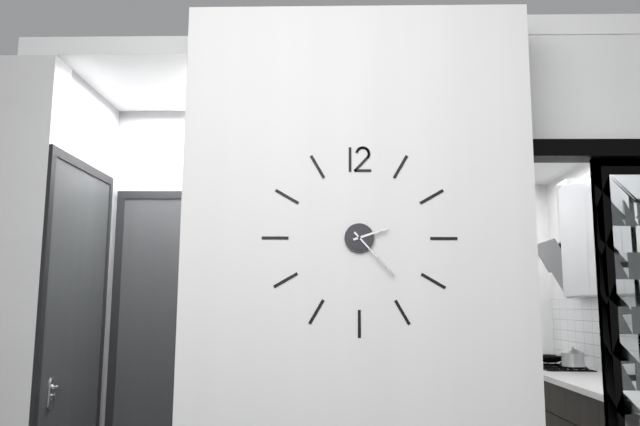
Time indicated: 2:23
